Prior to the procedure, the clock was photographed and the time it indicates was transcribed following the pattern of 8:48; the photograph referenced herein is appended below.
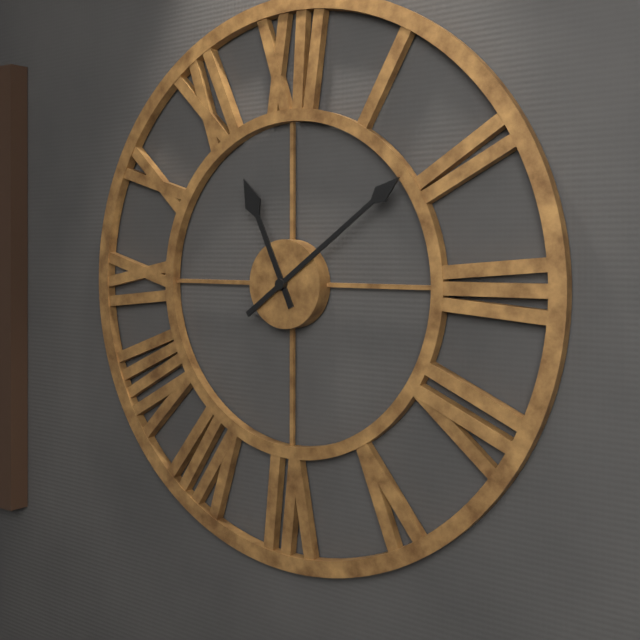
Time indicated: 11:09
